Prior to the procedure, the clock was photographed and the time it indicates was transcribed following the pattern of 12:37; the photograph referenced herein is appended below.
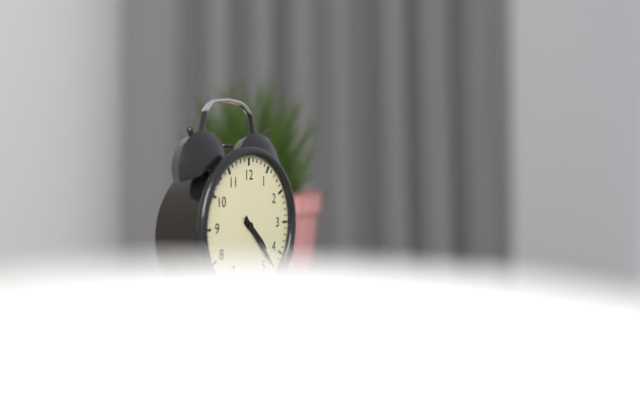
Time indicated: 4:23
